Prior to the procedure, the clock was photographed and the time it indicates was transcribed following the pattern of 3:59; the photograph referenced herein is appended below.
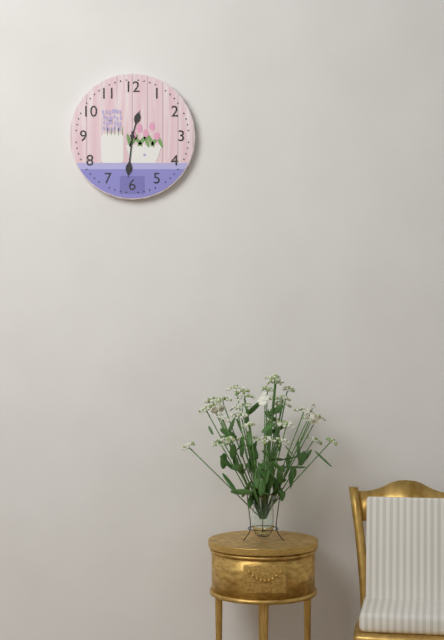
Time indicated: 12:31
